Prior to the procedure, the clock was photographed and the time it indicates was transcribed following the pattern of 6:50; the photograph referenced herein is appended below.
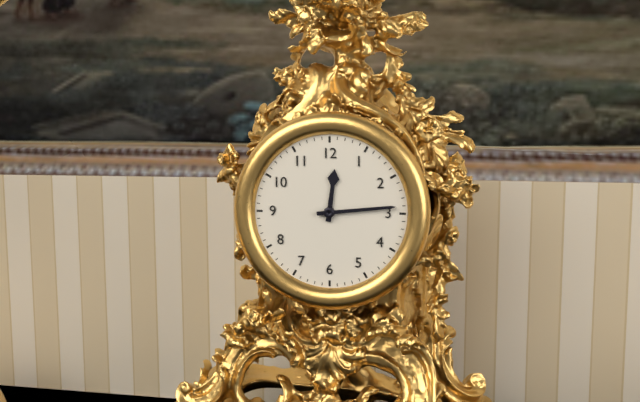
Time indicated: 12:14
